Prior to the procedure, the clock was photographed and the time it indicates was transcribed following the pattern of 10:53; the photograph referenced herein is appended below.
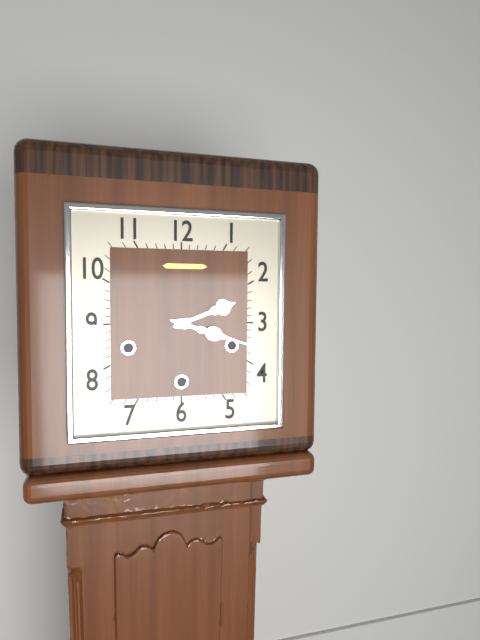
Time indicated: 2:18
